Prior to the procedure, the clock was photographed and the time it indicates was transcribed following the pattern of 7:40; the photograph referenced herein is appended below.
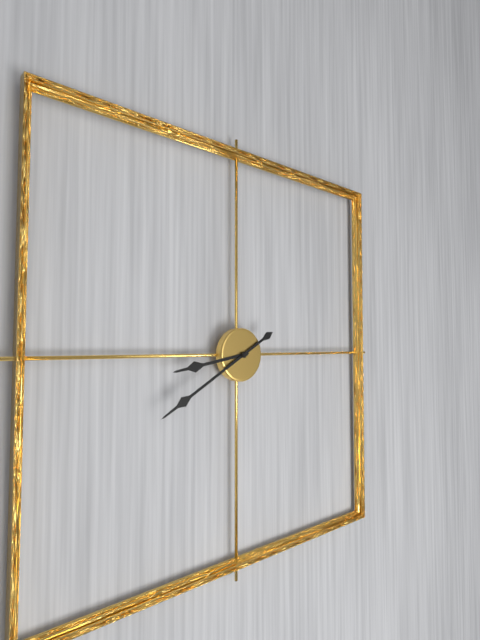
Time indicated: 8:40
